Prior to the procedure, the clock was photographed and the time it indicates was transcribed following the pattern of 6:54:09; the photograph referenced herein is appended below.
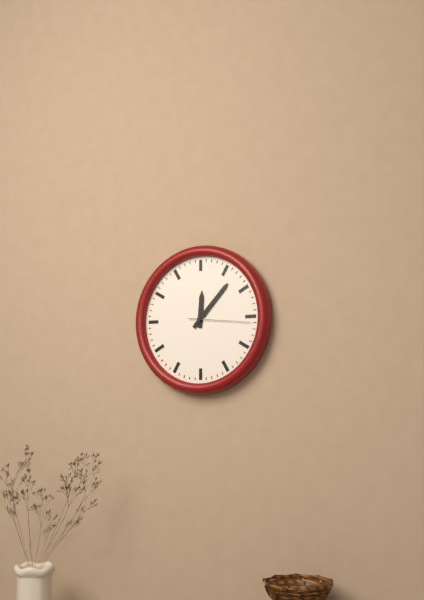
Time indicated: 12:07:16
